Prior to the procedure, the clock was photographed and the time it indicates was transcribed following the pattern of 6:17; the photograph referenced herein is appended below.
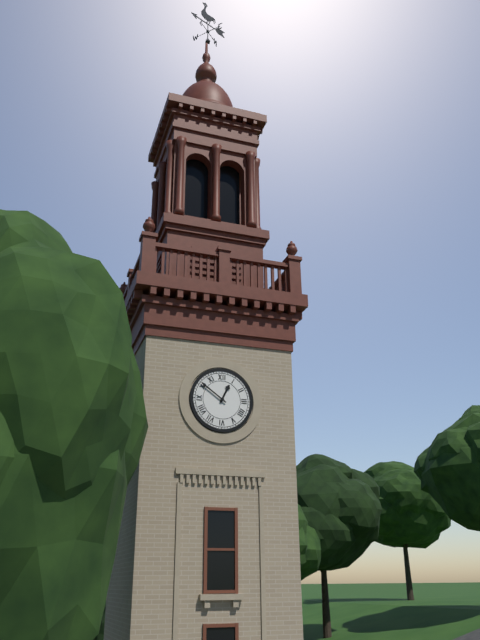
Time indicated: 12:51
